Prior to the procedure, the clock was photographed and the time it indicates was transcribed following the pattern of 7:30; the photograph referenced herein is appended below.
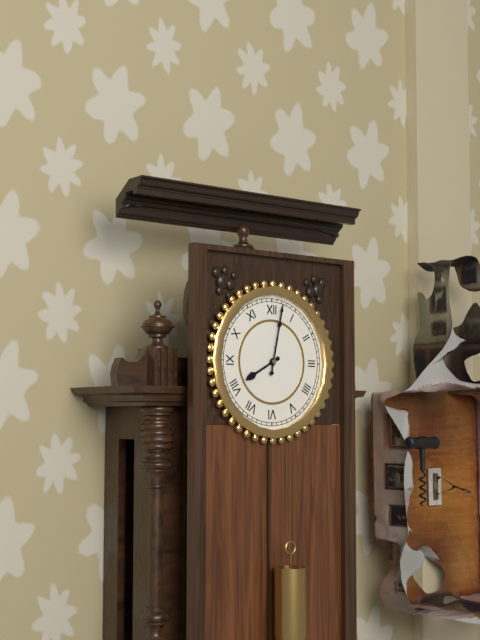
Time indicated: 8:02
